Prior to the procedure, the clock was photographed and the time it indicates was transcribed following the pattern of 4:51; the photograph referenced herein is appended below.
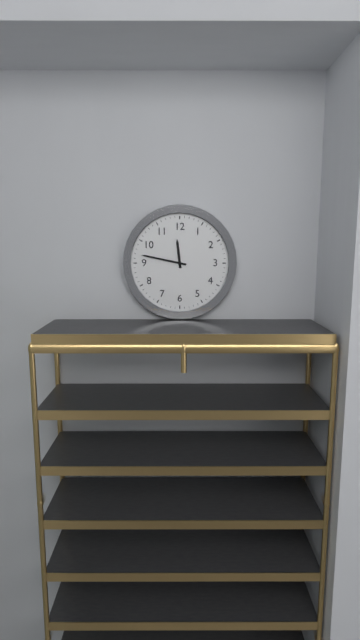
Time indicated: 11:47
